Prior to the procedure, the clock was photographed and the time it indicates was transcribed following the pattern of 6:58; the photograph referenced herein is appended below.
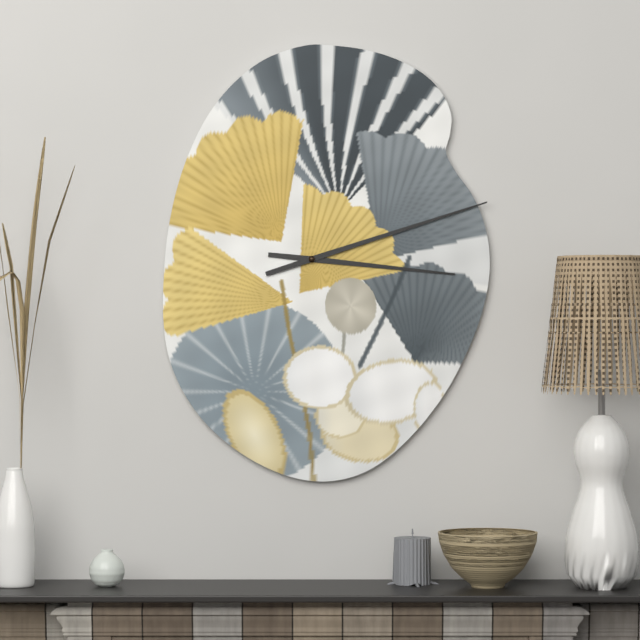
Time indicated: 3:12
